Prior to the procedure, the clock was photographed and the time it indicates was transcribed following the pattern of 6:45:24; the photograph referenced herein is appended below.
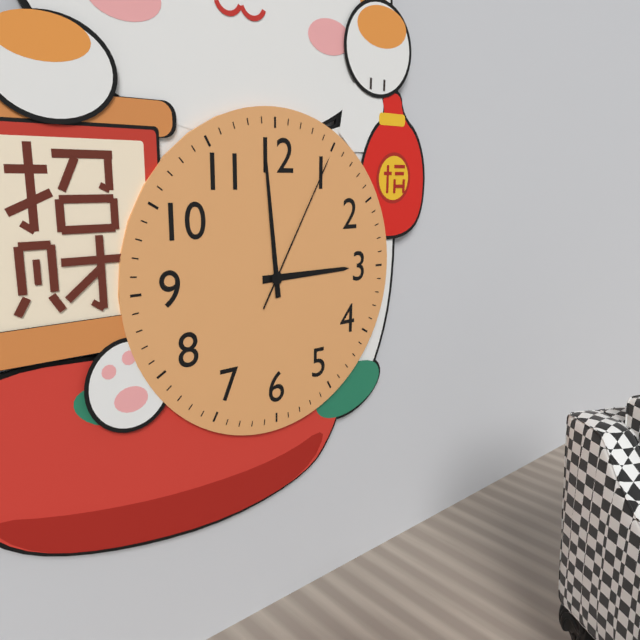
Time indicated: 2:59:05
